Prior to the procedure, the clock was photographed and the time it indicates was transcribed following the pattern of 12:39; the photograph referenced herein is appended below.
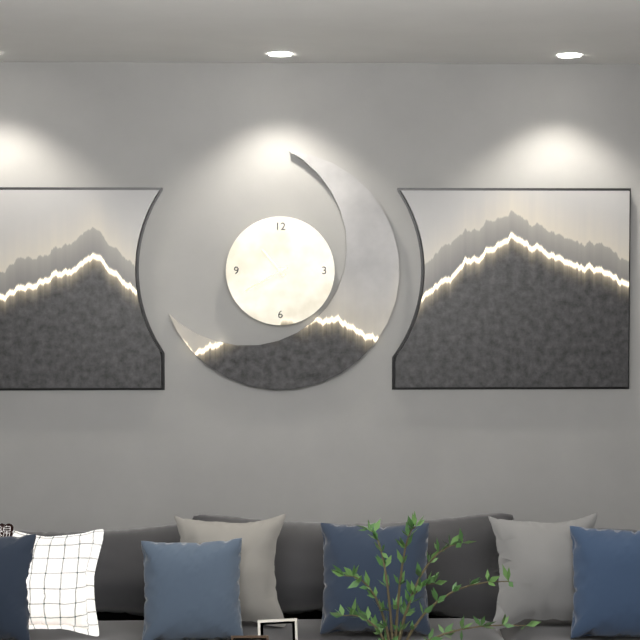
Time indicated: 10:40
